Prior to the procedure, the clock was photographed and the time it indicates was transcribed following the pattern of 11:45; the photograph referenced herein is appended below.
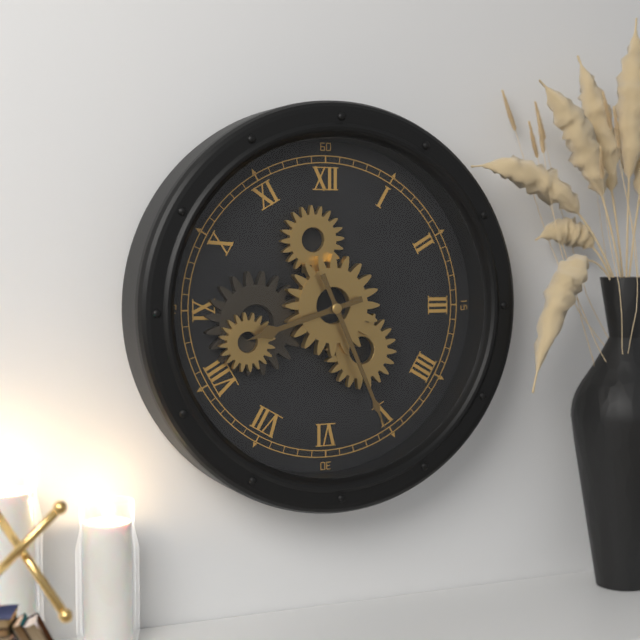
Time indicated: 8:26
